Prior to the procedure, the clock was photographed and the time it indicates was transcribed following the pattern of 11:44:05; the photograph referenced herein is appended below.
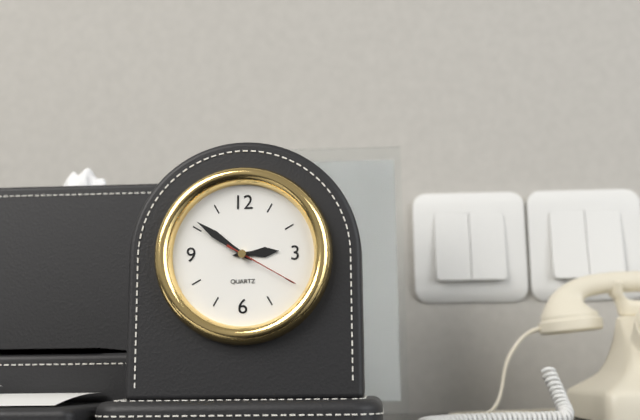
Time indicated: 2:51:20
